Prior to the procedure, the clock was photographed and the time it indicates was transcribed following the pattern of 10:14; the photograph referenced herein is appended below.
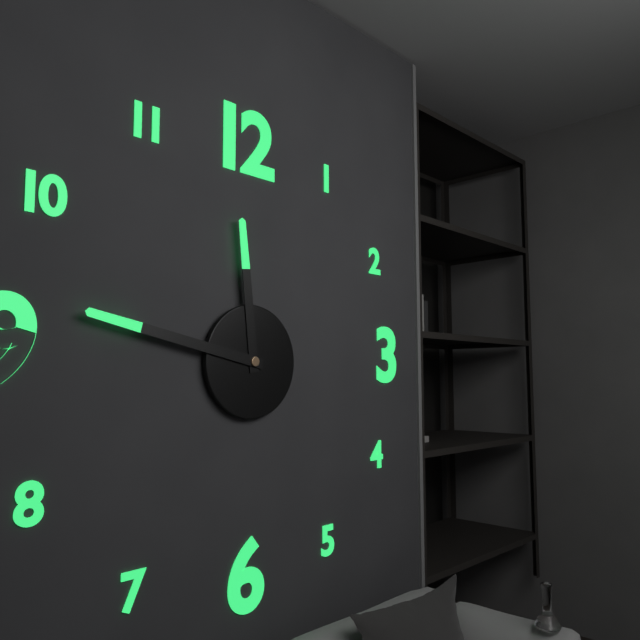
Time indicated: 11:47
